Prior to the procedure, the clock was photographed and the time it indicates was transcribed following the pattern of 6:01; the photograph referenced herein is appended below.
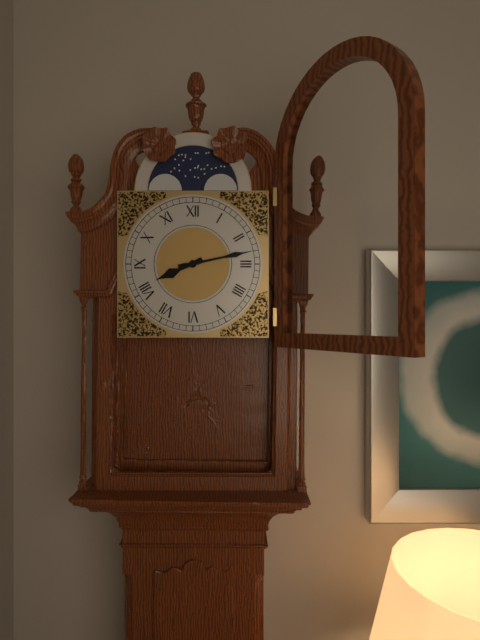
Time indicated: 8:13
